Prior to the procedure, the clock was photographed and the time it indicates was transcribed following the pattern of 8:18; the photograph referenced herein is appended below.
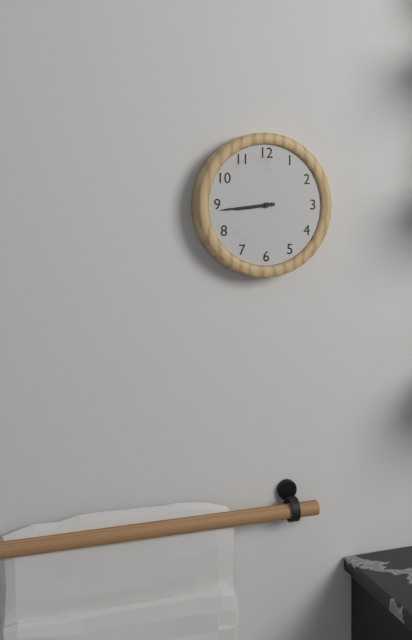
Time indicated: 8:44
